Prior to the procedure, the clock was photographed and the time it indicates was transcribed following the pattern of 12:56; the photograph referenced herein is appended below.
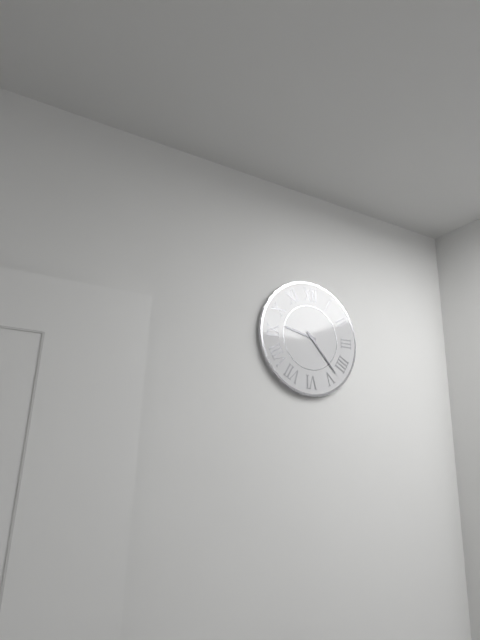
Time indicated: 9:23
